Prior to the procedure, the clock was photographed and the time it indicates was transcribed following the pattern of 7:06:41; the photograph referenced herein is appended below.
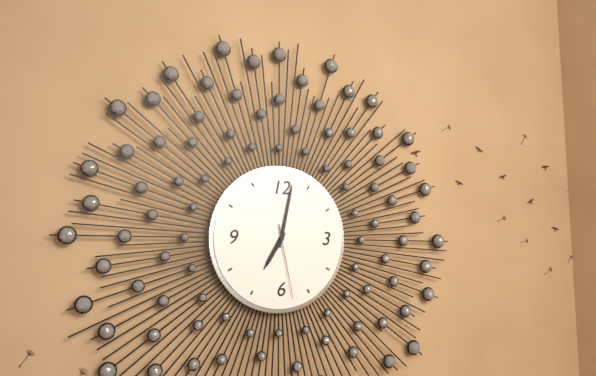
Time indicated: 7:02:28
